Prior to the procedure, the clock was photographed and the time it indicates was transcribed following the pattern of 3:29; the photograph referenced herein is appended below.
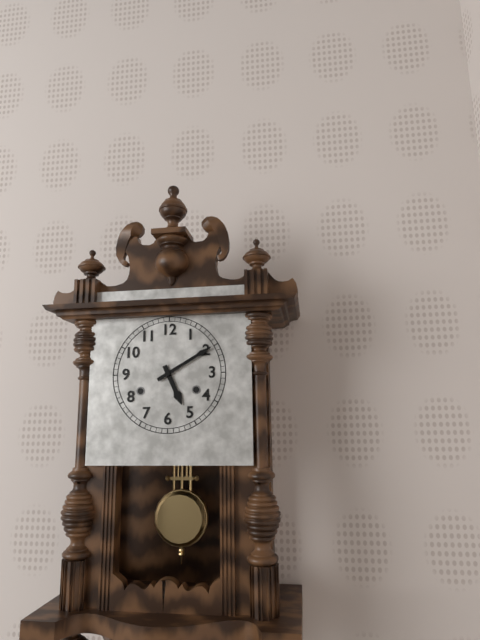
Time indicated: 5:10
